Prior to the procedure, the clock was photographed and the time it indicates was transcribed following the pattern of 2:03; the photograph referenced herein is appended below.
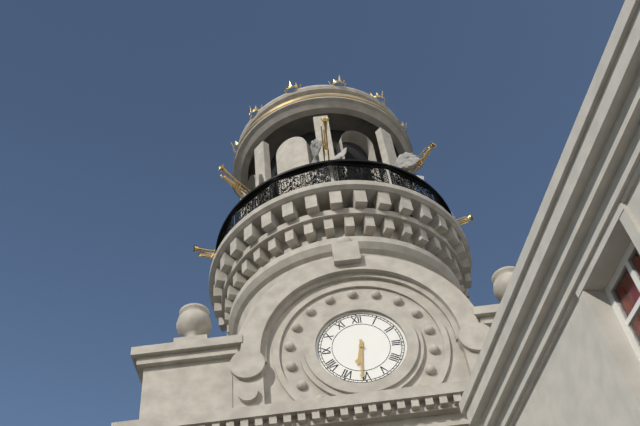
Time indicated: 6:31
